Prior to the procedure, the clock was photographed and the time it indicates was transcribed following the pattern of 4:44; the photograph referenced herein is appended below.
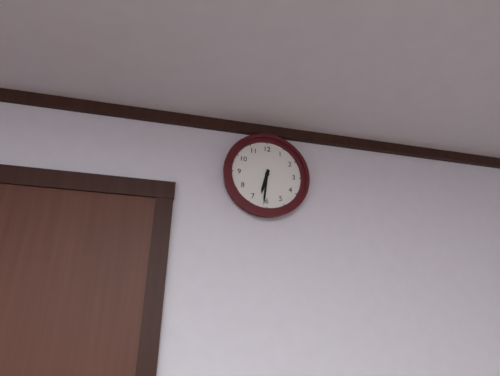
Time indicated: 6:31
